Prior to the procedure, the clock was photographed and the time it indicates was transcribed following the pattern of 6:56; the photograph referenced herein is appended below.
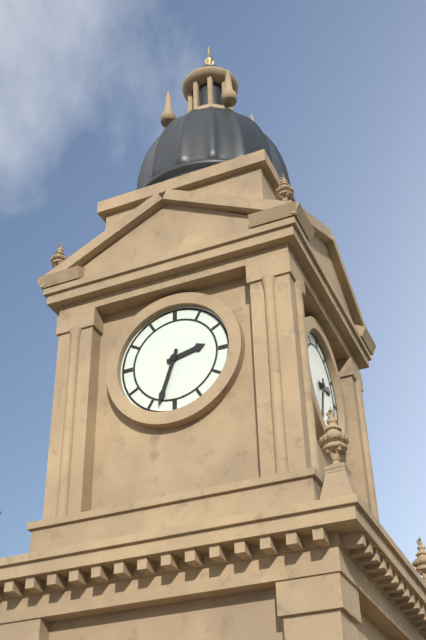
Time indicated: 2:33
